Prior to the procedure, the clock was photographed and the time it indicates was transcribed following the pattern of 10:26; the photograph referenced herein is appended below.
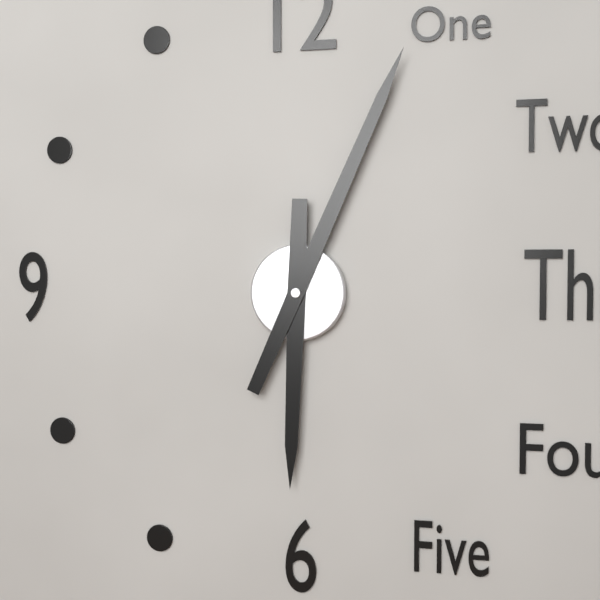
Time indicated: 6:04
